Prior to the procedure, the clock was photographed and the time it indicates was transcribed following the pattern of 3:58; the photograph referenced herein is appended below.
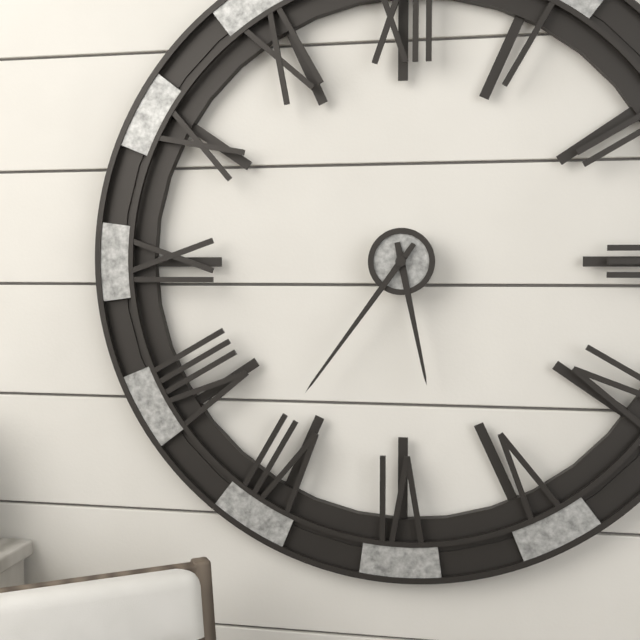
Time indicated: 5:36
